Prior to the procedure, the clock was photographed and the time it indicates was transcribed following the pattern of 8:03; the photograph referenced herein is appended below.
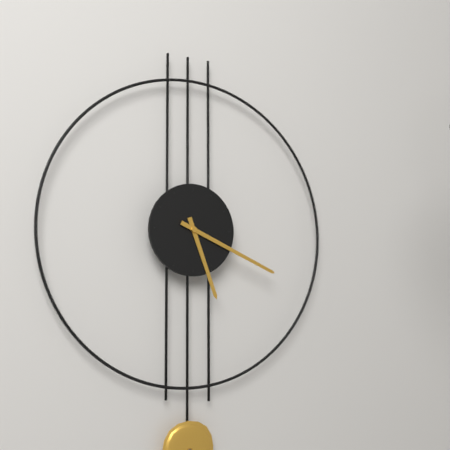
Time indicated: 5:19
